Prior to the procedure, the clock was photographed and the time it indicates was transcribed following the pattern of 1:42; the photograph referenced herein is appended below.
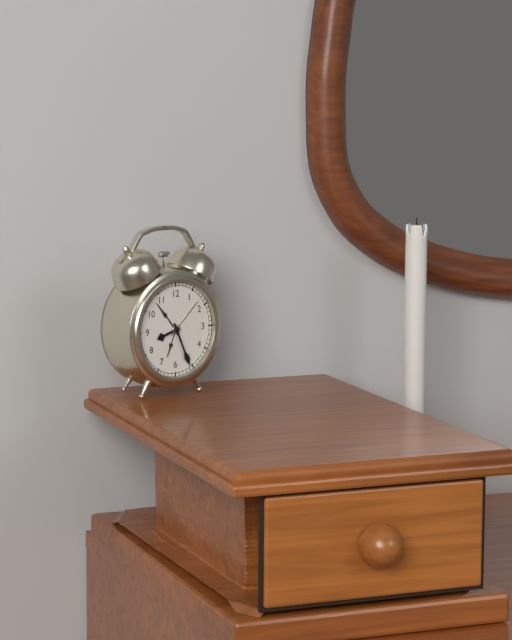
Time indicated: 8:26
